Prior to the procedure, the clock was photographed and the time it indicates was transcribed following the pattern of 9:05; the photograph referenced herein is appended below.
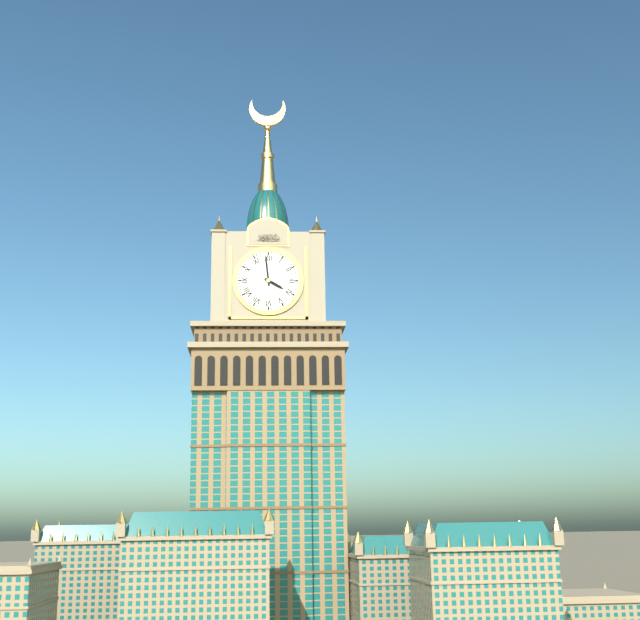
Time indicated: 3:59
